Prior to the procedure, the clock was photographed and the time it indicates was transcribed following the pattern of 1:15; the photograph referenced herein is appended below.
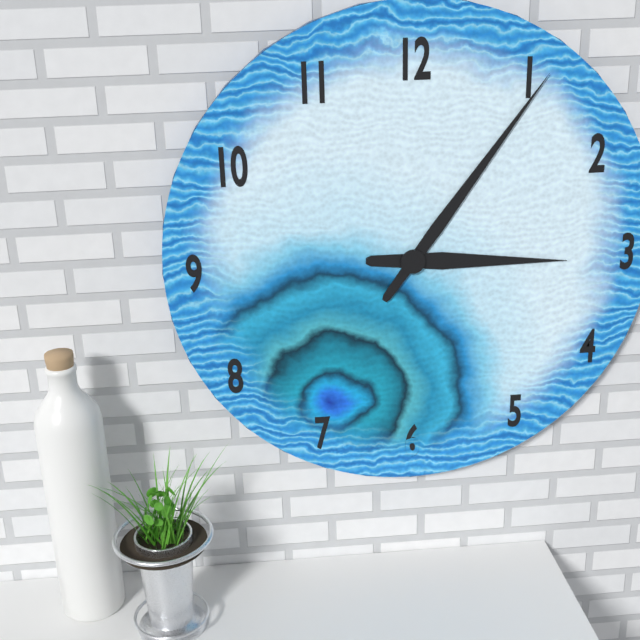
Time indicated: 3:06
